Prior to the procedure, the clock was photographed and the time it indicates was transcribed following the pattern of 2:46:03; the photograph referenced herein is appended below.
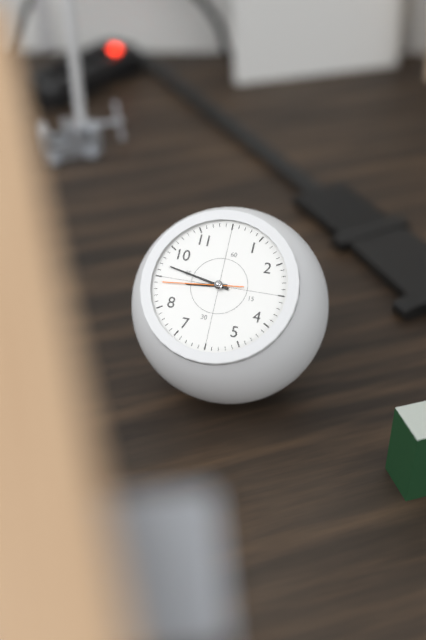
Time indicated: 8:47:44
